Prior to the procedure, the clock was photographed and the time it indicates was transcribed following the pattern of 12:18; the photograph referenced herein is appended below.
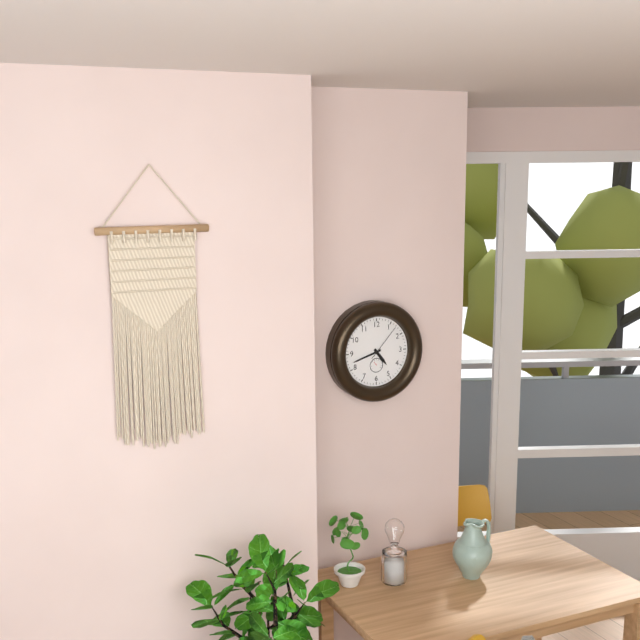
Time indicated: 4:42
